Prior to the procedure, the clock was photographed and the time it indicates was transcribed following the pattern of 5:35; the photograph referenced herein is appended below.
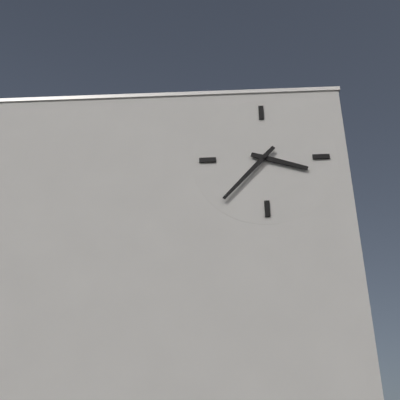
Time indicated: 3:37
